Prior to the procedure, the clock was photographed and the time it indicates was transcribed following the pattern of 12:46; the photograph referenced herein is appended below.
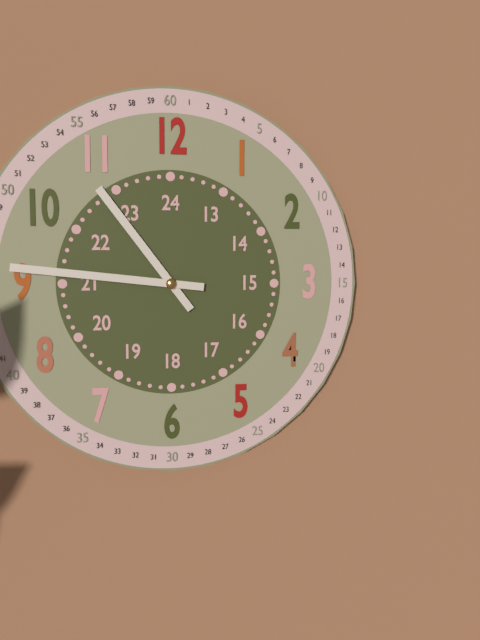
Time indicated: 10:46
